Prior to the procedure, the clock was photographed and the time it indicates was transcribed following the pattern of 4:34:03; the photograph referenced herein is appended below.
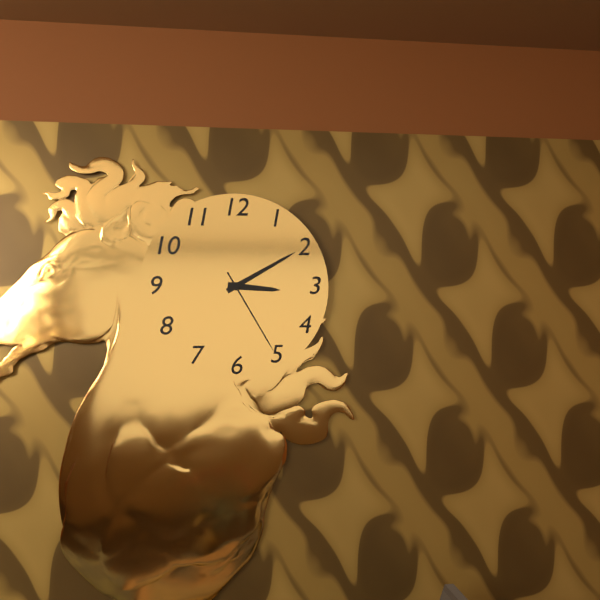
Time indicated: 3:10:25
